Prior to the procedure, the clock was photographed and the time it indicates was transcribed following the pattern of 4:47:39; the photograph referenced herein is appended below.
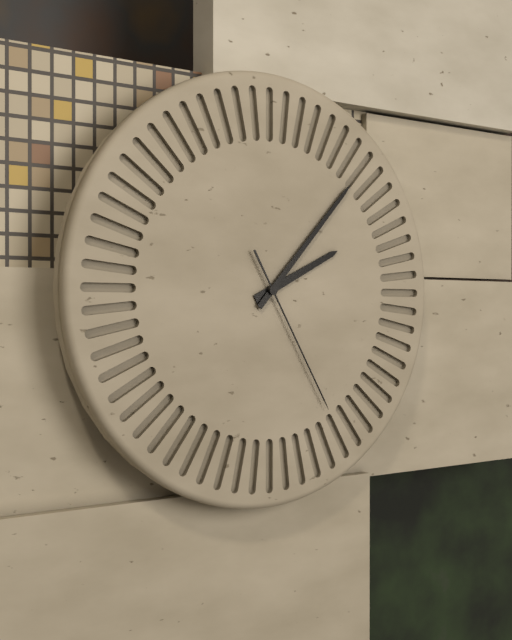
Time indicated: 2:07:25
